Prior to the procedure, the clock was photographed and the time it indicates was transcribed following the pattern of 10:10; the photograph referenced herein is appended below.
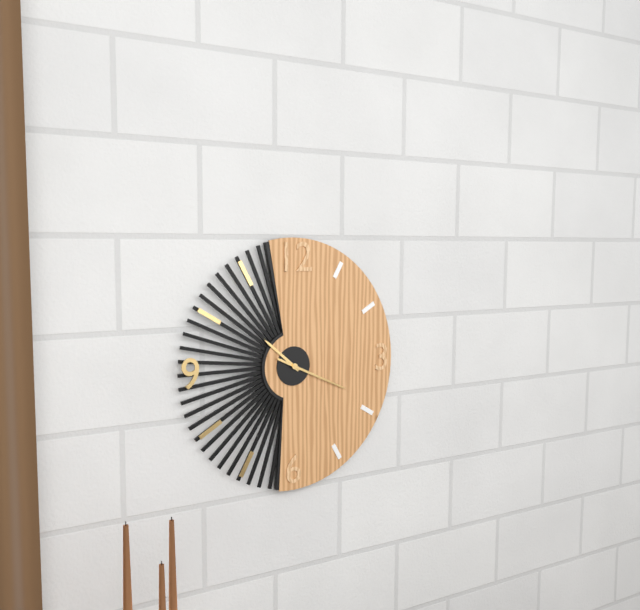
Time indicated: 10:19
